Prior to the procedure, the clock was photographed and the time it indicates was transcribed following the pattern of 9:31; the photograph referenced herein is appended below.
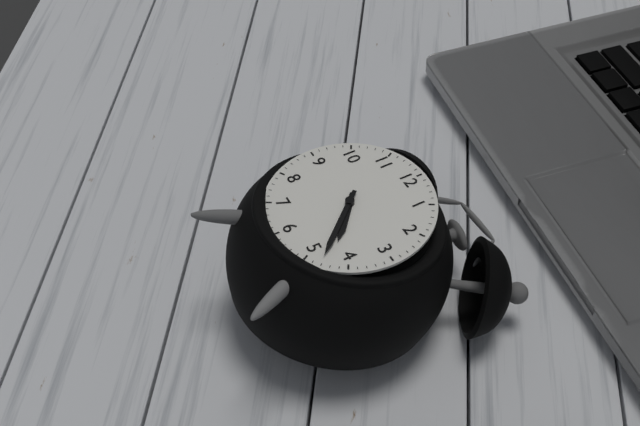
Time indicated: 4:23
